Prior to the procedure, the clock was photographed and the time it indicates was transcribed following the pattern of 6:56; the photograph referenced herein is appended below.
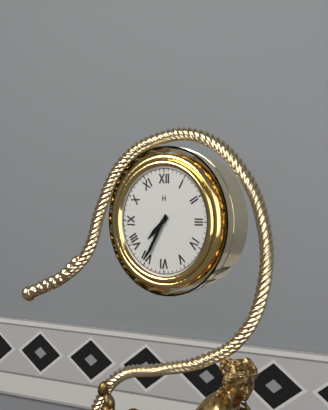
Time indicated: 7:35
